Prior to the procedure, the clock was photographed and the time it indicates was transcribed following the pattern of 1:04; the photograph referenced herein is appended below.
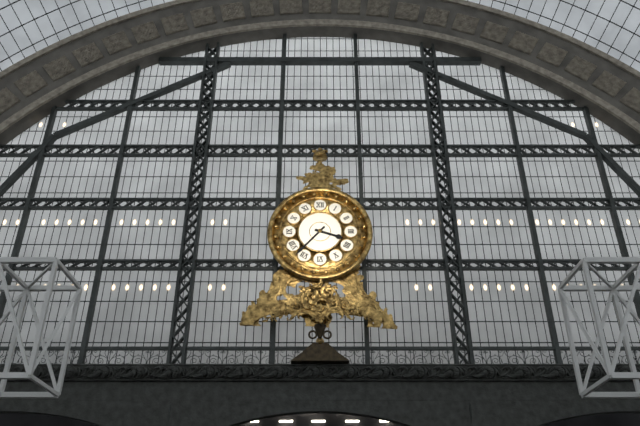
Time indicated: 3:37
